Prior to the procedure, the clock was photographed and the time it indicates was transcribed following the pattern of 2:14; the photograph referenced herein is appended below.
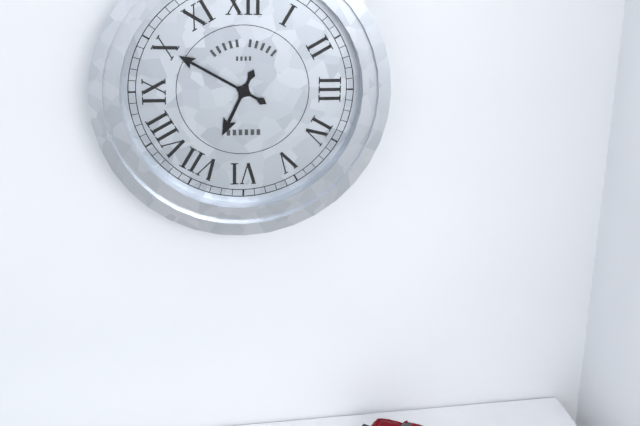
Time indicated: 6:50
